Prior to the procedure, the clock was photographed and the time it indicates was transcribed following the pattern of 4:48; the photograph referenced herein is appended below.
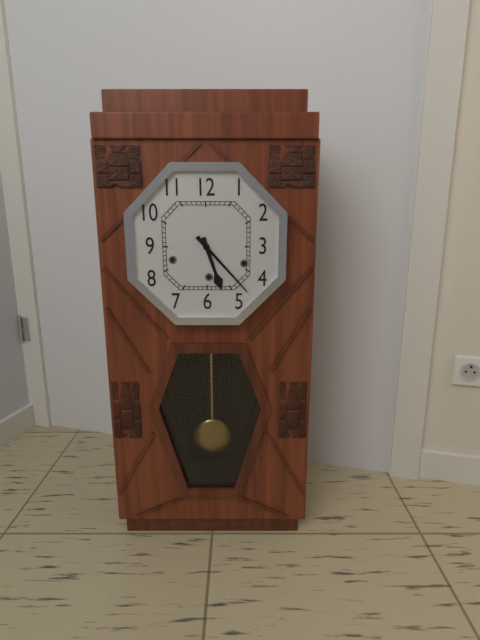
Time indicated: 5:23
